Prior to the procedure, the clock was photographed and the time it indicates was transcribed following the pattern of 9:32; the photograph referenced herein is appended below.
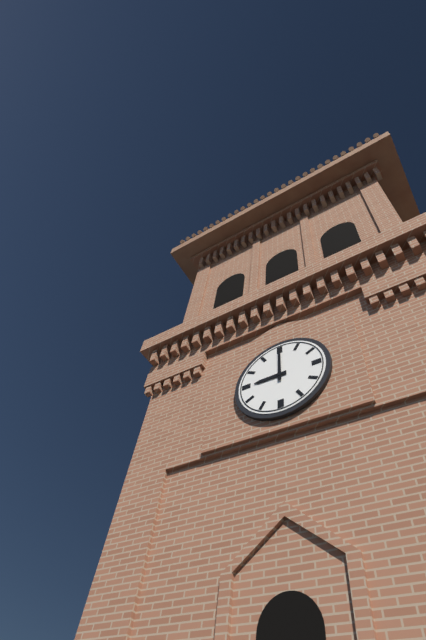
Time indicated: 9:00
